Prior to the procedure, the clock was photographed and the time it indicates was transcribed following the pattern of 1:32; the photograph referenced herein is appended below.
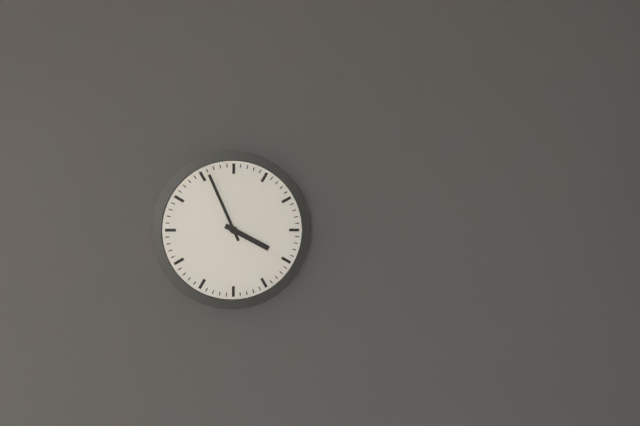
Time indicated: 3:56
